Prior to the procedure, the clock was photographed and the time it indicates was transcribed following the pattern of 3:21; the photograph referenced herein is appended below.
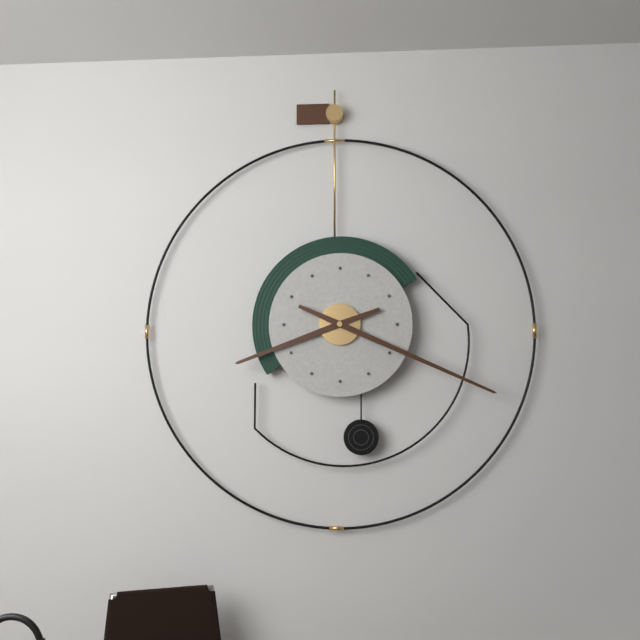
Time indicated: 8:19
